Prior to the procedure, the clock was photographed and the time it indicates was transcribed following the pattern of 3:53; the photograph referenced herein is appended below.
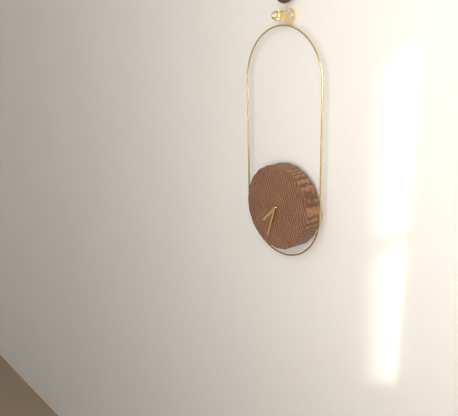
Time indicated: 7:33
